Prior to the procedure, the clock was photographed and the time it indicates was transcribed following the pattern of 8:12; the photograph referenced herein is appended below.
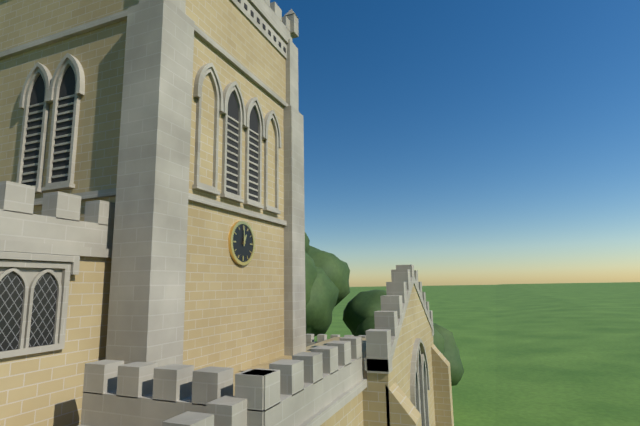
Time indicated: 1:00
